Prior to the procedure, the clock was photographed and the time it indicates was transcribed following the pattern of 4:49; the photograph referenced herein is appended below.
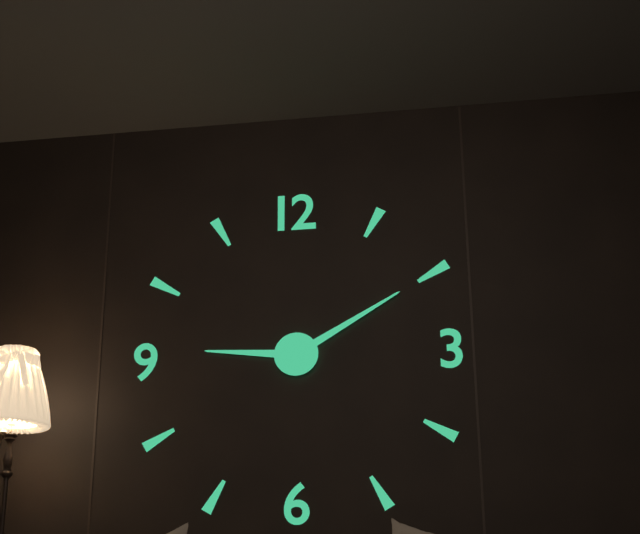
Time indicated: 9:10
